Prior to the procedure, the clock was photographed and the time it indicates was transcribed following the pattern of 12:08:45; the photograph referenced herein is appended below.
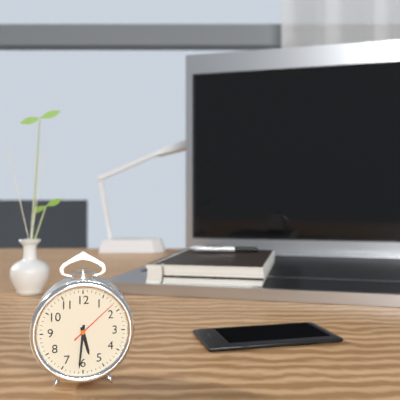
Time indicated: 5:31:08
